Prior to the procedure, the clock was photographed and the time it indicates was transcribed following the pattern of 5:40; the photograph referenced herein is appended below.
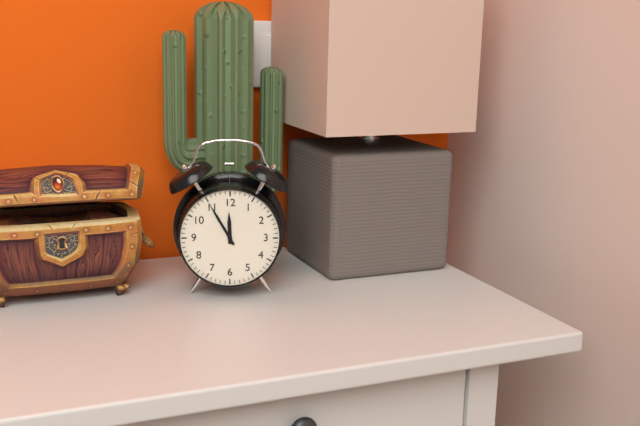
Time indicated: 11:55
